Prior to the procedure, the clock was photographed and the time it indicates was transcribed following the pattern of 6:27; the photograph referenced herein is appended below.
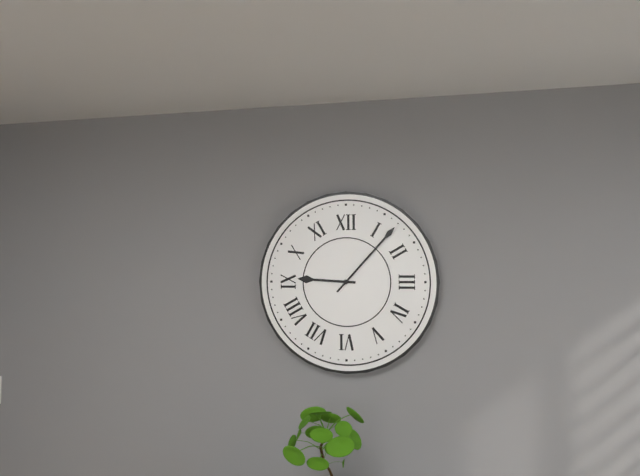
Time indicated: 9:07
